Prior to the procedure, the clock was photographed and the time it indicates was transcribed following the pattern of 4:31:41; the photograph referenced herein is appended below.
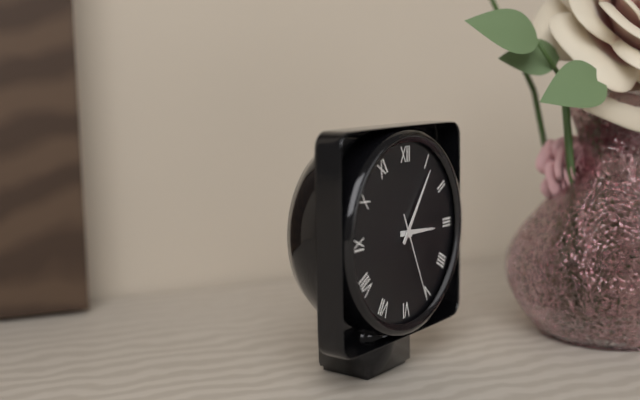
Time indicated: 3:06:26
